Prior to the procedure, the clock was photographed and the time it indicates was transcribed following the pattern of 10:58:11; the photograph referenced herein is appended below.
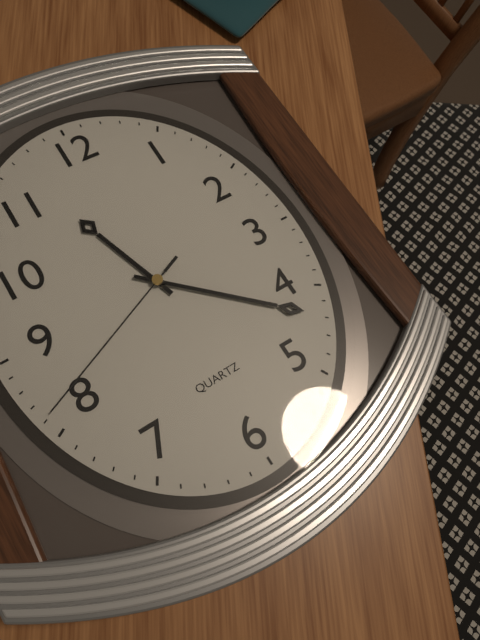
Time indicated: 11:22:41
